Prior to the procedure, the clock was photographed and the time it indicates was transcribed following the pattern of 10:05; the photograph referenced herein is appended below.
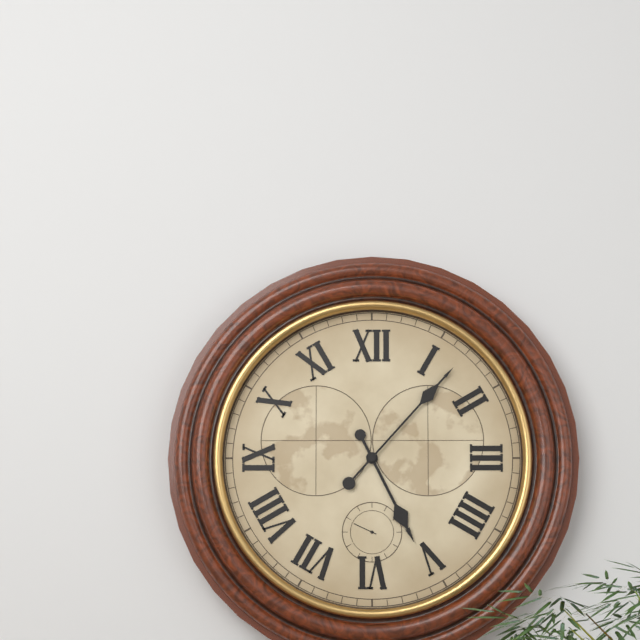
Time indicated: 5:07
